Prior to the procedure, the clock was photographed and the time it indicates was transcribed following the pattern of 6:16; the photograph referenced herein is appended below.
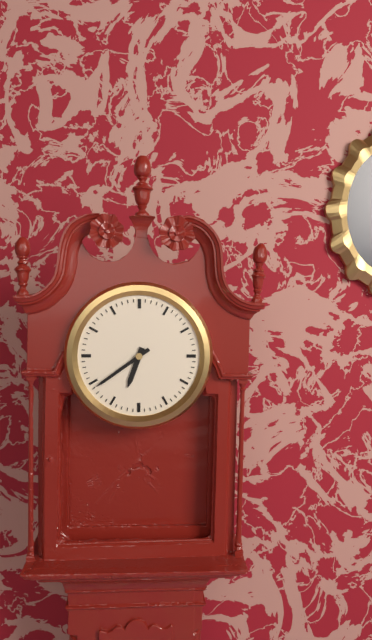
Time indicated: 6:39
